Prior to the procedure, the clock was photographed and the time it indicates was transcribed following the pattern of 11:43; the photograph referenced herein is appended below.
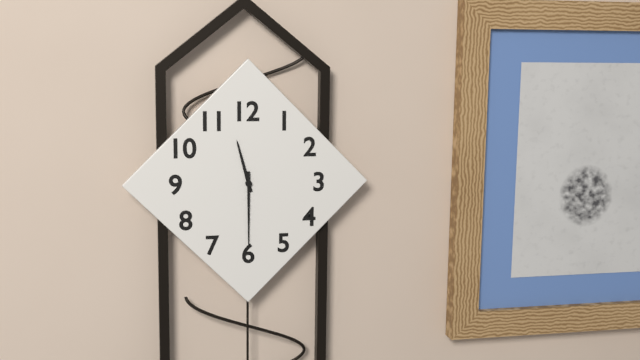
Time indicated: 11:30
